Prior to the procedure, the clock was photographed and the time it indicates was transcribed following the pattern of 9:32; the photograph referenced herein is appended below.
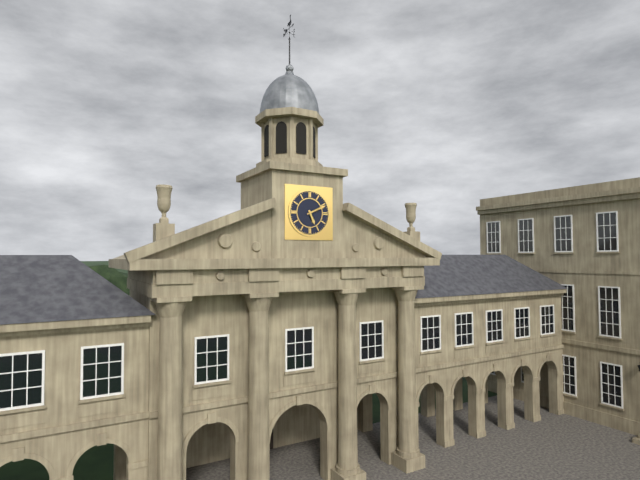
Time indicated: 5:11
